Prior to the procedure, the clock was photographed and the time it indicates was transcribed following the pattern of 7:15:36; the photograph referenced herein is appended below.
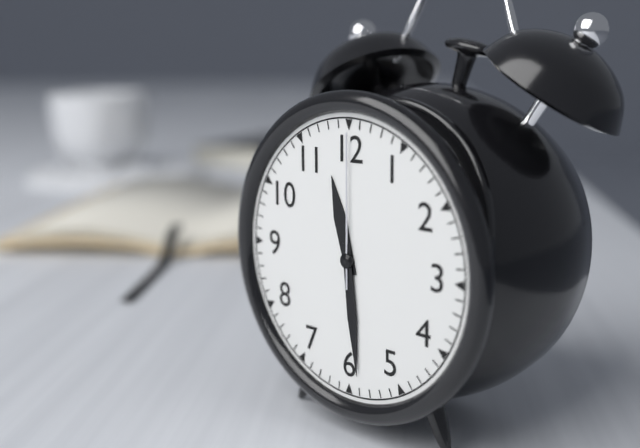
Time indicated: 11:29:00
